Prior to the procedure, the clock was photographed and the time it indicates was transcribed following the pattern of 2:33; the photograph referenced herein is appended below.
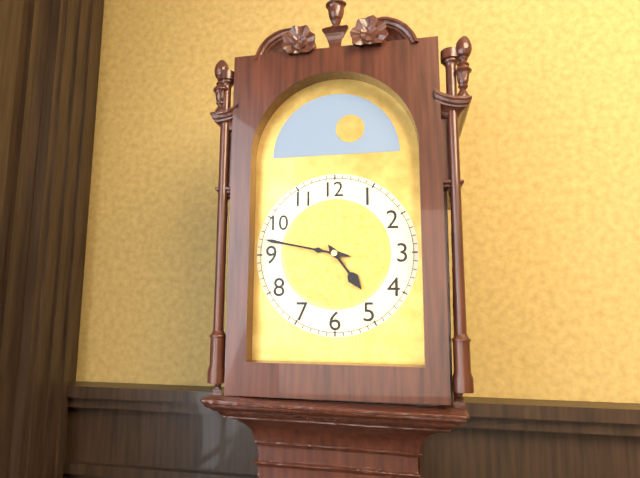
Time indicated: 4:47
